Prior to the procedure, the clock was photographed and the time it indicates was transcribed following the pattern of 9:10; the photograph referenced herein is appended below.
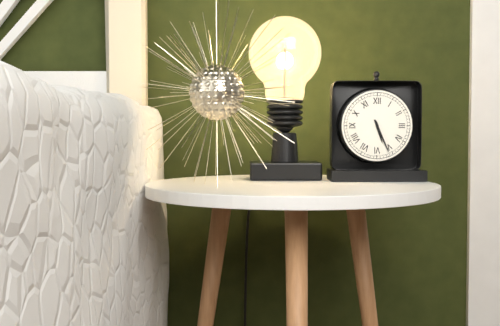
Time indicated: 5:26
